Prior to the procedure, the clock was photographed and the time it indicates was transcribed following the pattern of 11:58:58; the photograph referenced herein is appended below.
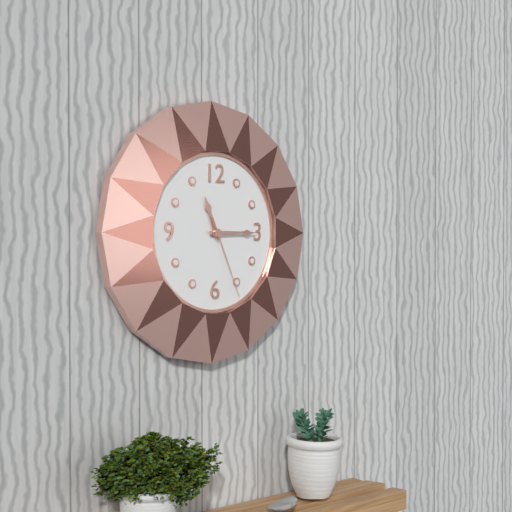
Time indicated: 11:15:26
